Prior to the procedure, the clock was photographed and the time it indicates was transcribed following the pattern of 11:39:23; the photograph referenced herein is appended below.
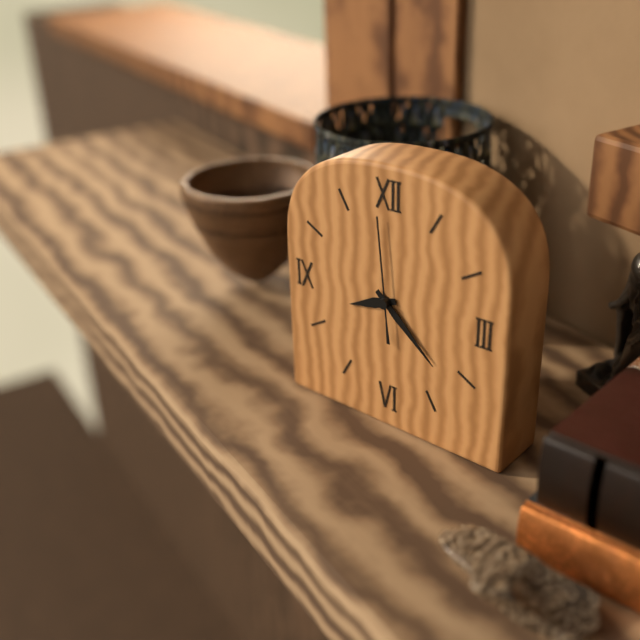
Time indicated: 8:22:59
